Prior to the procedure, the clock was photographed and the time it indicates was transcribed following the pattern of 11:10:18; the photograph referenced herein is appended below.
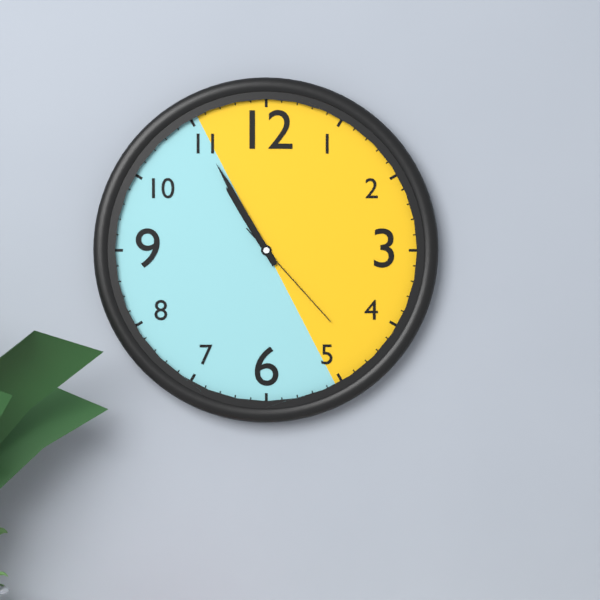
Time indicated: 10:55:23
